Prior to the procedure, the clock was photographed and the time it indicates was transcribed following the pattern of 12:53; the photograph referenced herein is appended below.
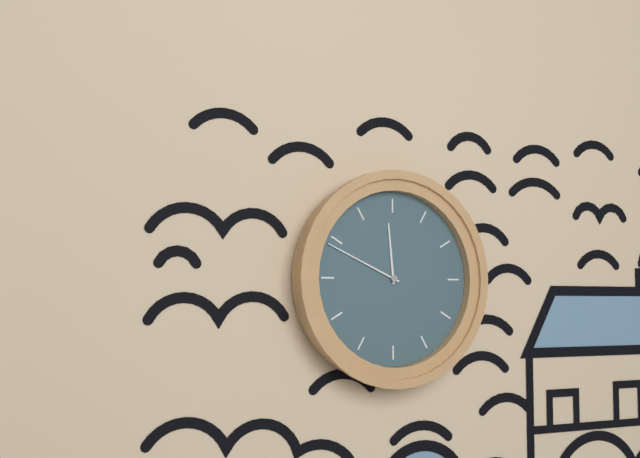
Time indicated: 11:49
